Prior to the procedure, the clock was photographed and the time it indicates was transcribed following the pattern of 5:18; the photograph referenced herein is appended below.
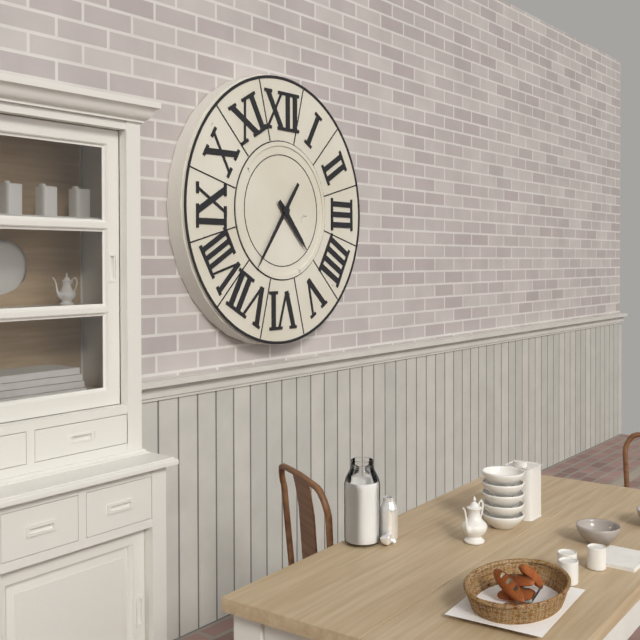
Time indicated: 4:36
